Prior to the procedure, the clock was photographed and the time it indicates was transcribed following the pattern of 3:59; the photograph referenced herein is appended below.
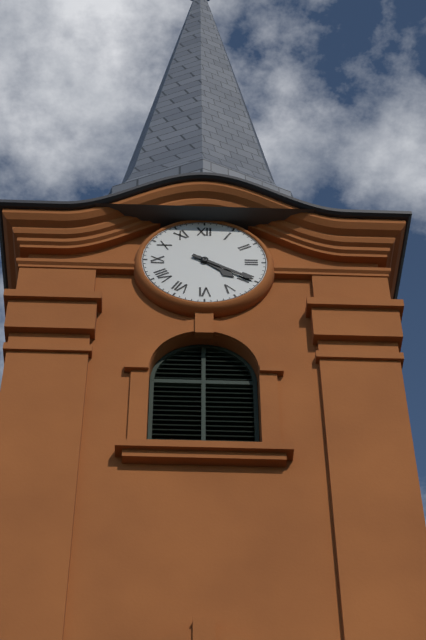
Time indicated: 4:20
